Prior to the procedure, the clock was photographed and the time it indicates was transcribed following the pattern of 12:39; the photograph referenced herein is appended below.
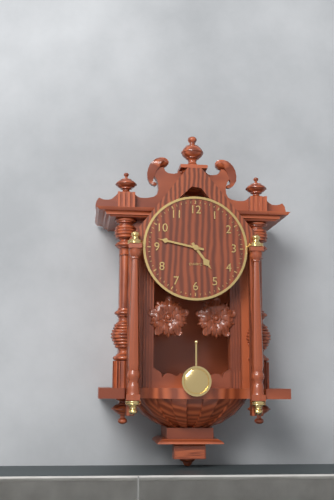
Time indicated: 4:47
